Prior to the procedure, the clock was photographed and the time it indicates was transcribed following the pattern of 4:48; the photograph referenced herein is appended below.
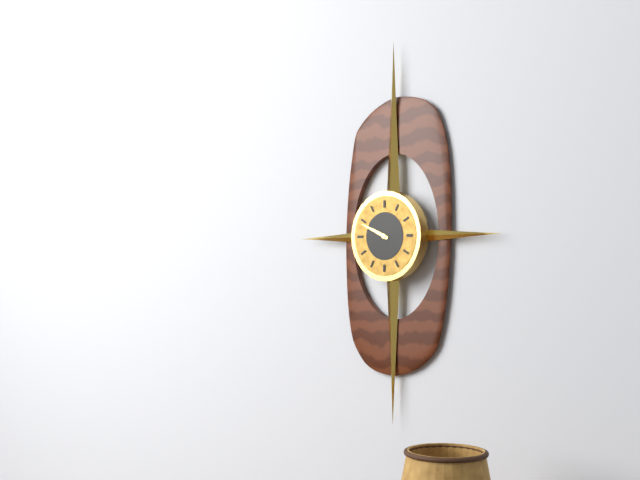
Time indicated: 9:49
